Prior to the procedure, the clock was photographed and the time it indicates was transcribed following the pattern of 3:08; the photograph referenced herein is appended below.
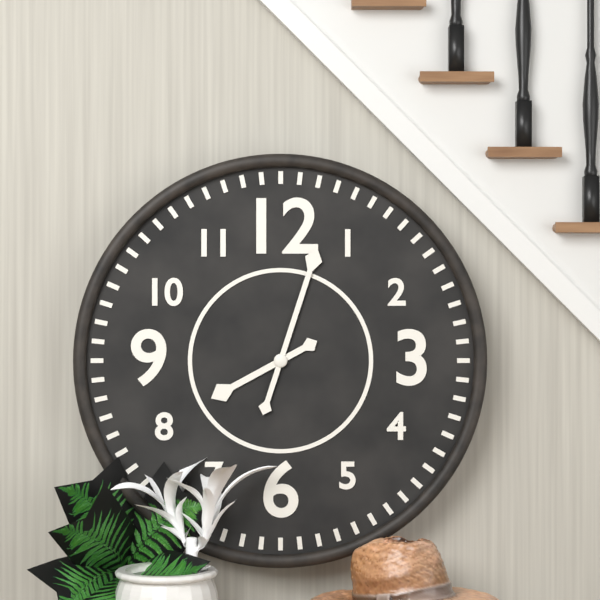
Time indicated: 8:03
